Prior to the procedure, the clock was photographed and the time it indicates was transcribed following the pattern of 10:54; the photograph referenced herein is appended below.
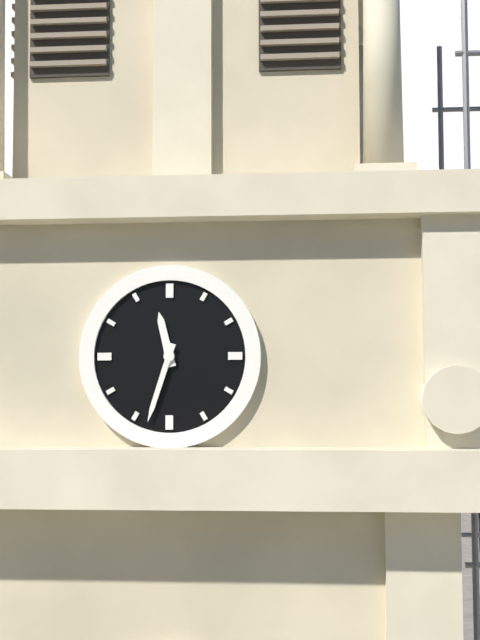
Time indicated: 11:33
